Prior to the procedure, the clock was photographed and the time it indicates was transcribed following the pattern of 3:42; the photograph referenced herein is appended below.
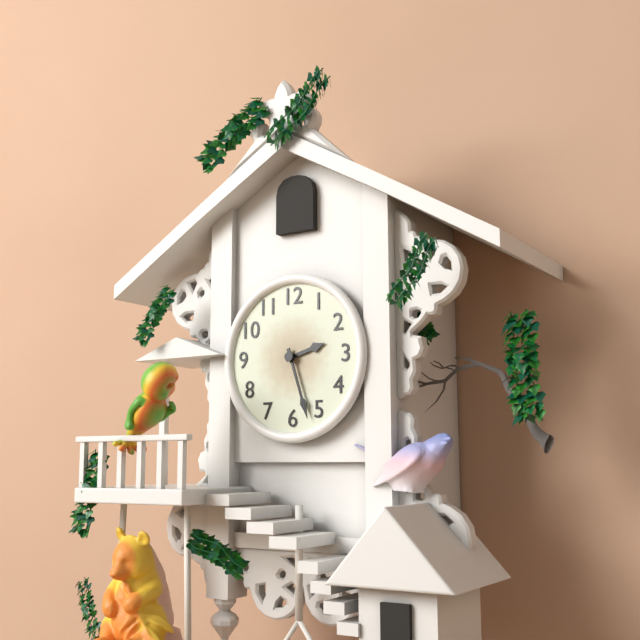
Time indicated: 2:27
